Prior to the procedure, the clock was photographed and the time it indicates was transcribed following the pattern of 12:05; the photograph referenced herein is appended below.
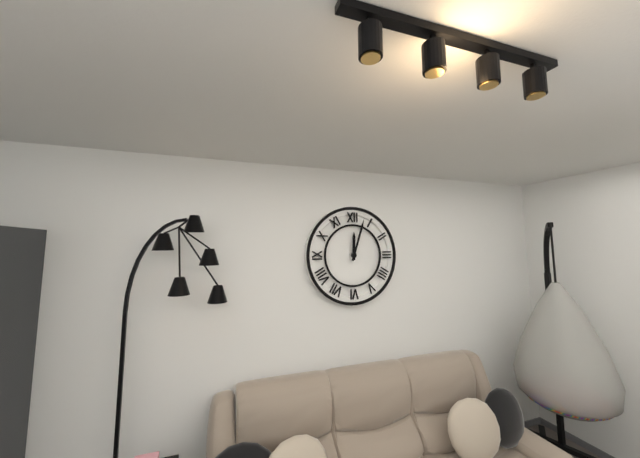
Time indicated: 12:03
